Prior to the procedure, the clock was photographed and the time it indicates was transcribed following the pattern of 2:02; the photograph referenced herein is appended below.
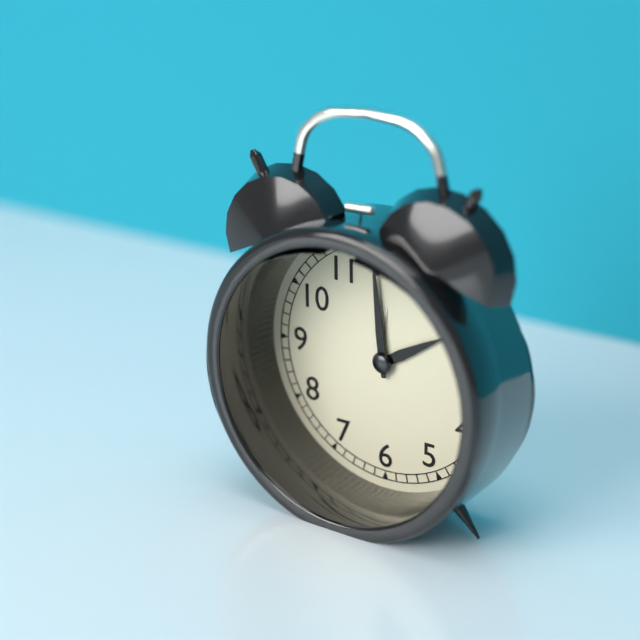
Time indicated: 1:59
